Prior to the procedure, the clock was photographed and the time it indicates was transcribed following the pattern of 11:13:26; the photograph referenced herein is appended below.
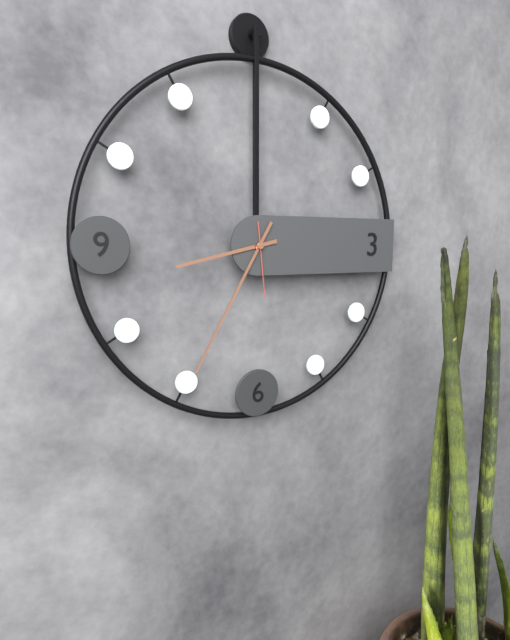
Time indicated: 8:35:29
